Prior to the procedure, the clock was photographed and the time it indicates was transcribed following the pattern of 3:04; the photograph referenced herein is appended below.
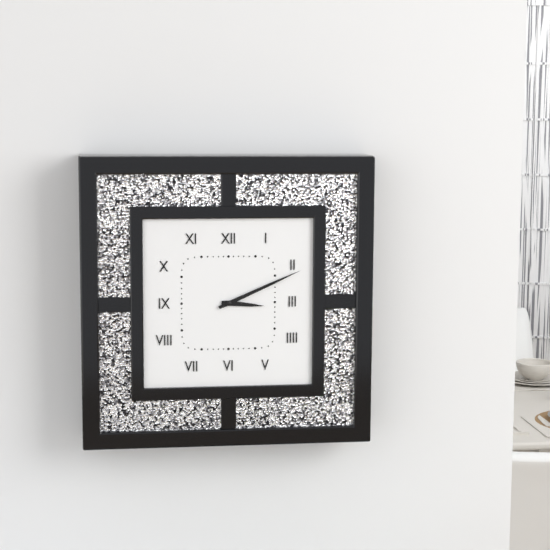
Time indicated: 3:11
